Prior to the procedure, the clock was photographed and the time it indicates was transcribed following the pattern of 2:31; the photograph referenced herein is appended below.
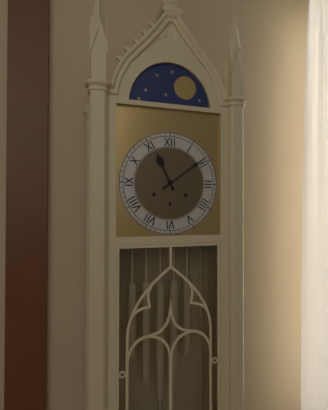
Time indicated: 11:09
